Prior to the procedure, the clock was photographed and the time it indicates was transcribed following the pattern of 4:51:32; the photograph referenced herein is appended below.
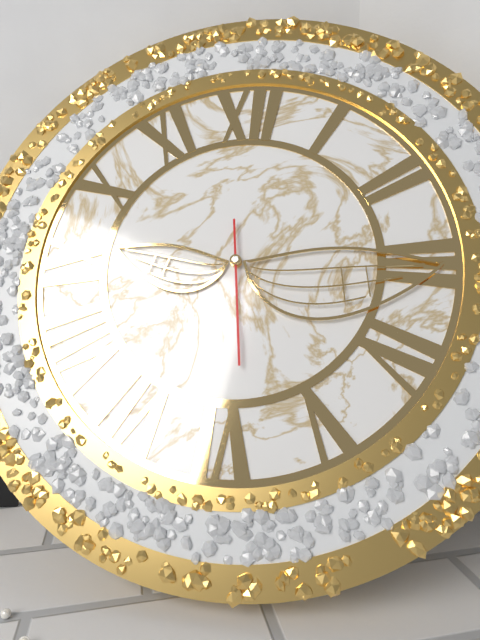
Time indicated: 9:15:29
